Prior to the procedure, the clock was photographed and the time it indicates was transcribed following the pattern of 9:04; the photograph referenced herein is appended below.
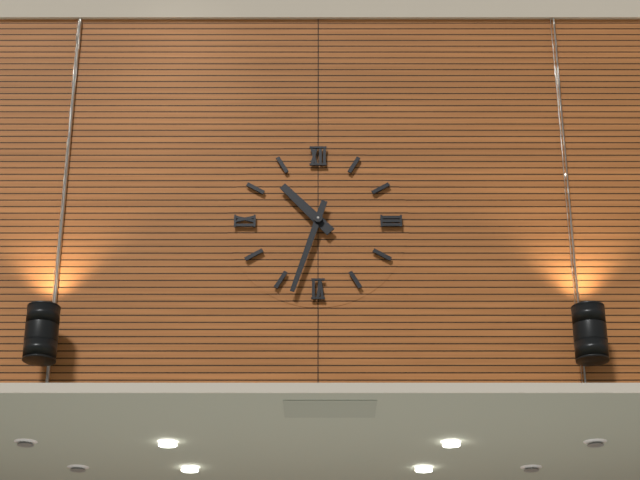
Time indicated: 10:33
